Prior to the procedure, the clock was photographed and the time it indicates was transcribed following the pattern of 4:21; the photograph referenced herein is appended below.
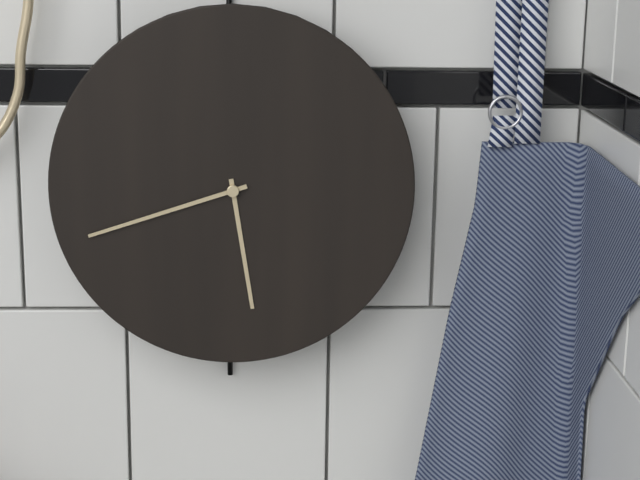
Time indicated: 5:42
